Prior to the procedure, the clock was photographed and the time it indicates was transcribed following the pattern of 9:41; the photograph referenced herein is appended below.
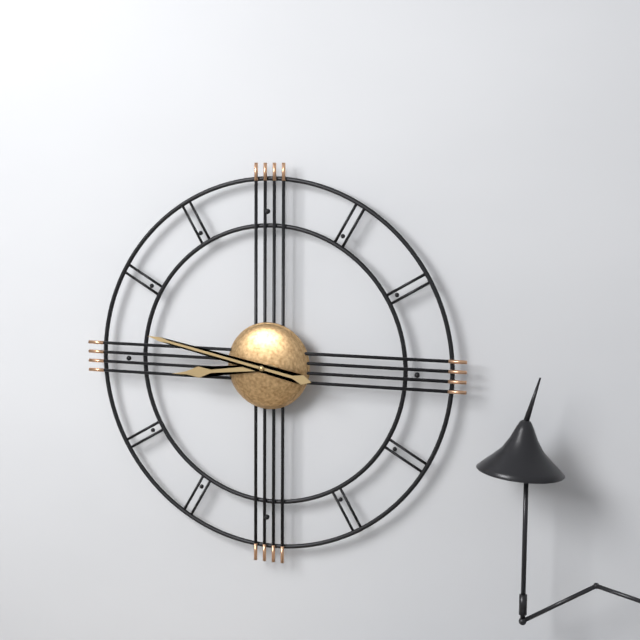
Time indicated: 8:47
